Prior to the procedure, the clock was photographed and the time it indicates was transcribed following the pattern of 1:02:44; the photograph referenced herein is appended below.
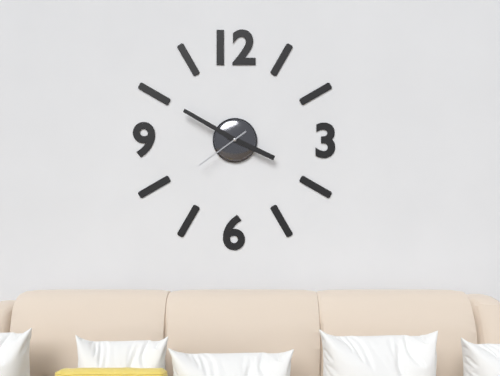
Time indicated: 3:50:39
